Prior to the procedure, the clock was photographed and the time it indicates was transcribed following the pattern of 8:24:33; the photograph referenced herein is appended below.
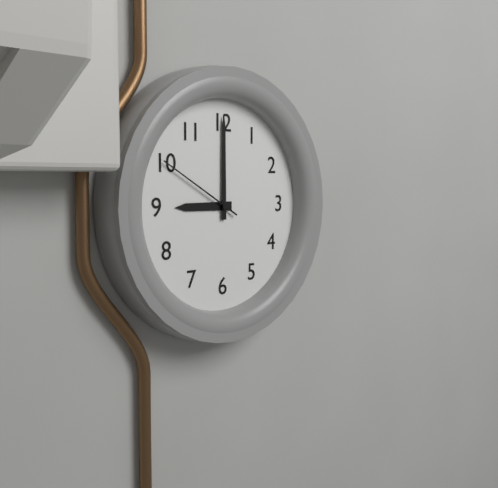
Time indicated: 9:00:50
